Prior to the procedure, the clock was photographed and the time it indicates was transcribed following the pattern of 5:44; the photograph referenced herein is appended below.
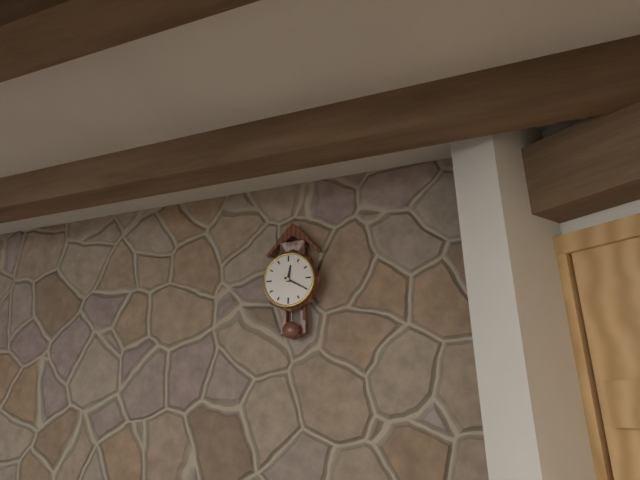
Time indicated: 12:20
